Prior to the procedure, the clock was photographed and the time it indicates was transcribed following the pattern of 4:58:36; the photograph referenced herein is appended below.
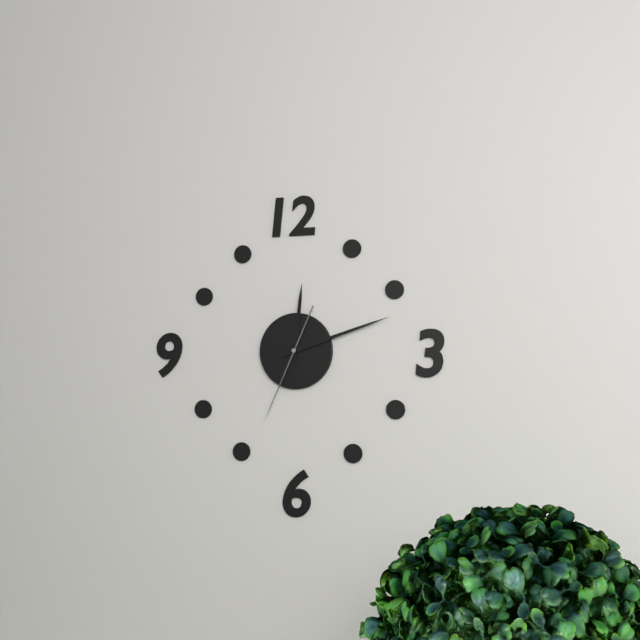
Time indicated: 12:12:34
